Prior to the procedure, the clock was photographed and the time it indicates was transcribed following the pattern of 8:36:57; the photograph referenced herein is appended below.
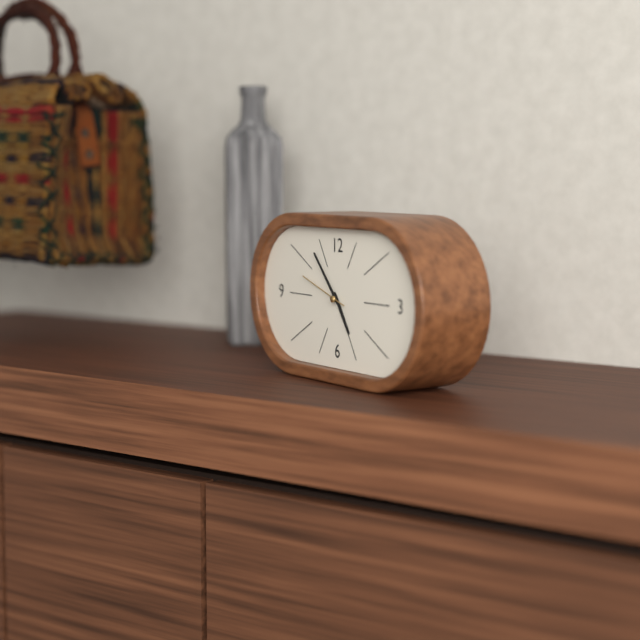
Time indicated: 4:53:48
